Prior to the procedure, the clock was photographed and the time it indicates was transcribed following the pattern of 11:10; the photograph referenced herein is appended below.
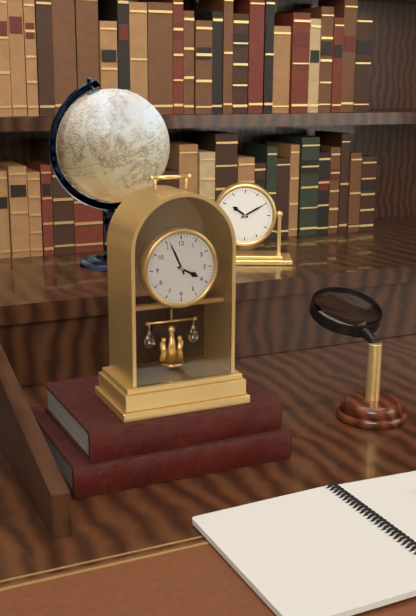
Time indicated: 3:56
